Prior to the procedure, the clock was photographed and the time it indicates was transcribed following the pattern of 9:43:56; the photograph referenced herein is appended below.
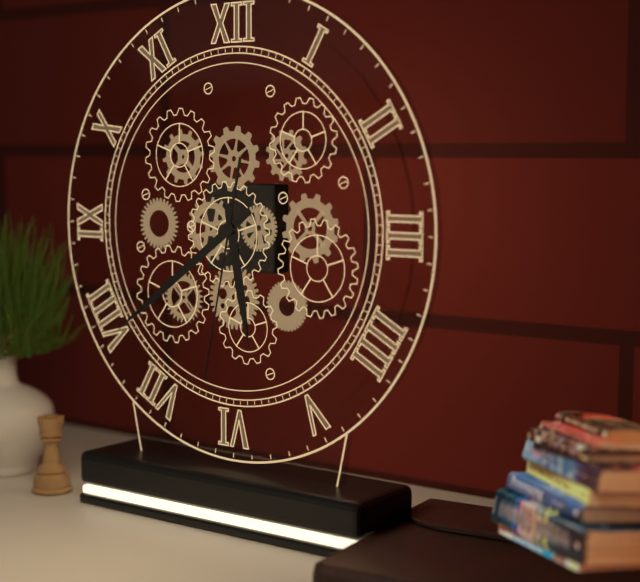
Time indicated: 5:39:32
